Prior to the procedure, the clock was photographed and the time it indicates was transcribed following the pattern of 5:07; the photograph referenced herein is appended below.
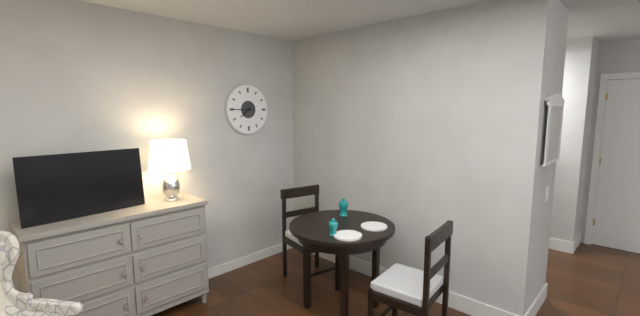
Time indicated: 7:45
